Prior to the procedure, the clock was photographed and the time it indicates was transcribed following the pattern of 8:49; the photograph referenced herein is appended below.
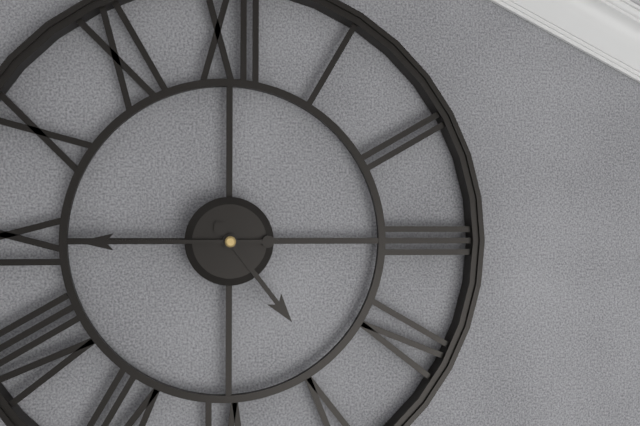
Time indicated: 4:45
